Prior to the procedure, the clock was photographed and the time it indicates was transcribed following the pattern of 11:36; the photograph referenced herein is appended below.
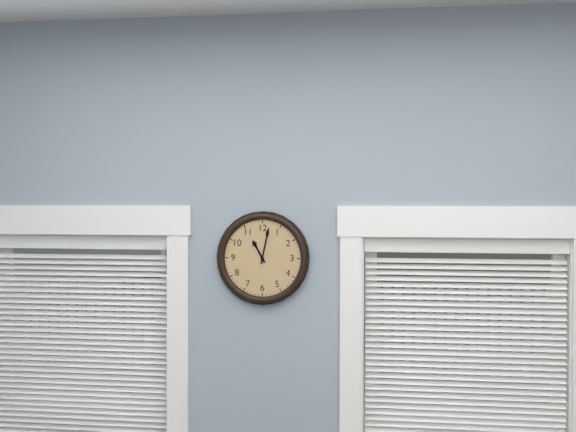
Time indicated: 11:02
